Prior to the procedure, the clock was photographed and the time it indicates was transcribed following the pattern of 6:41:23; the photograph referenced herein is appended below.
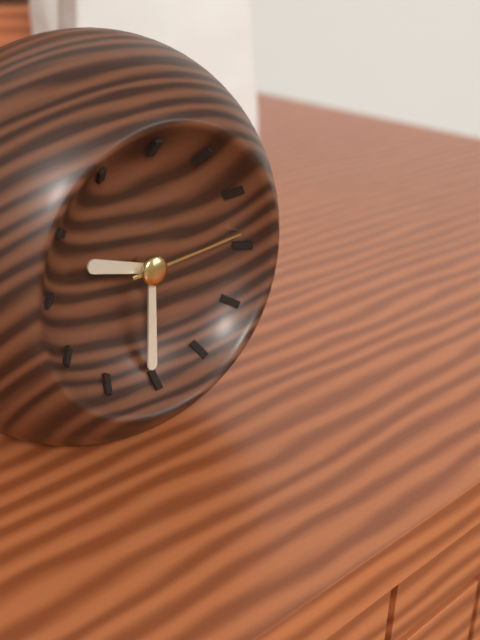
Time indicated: 9:30:14
